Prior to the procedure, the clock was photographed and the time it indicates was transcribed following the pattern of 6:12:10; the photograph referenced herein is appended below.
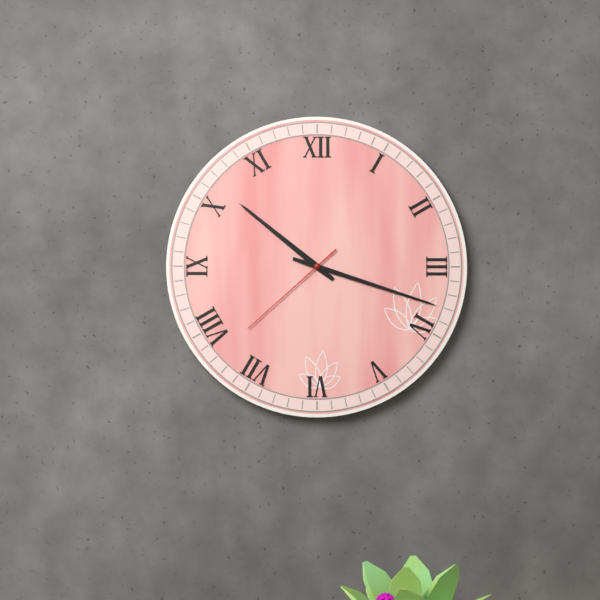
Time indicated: 10:18:38
